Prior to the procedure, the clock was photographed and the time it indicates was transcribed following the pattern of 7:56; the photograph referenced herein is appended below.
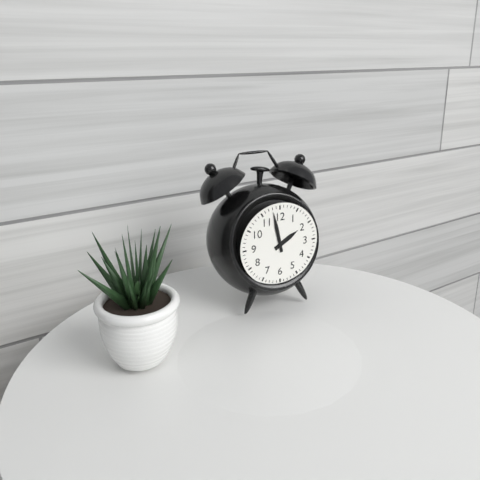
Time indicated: 1:58
